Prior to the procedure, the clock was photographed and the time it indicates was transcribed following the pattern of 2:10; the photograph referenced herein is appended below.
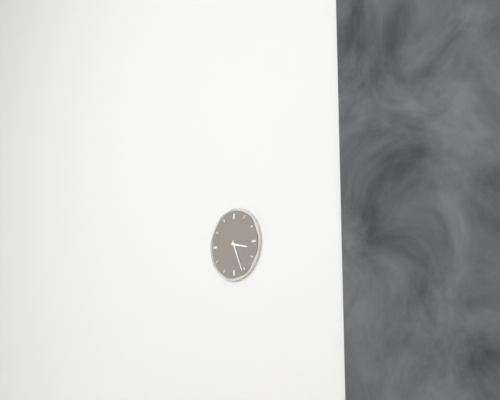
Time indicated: 3:26
